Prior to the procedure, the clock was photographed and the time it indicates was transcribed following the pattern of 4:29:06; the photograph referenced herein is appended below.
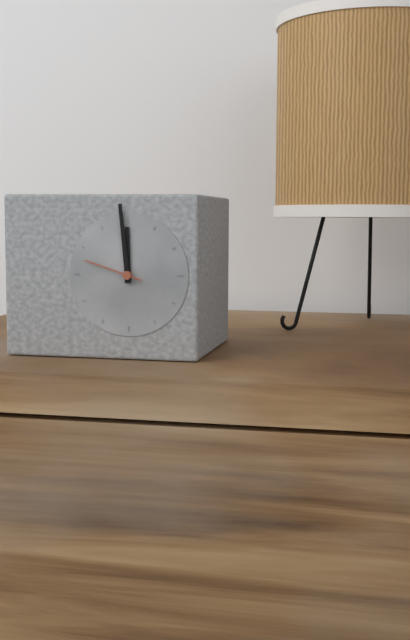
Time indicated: 11:59:48
